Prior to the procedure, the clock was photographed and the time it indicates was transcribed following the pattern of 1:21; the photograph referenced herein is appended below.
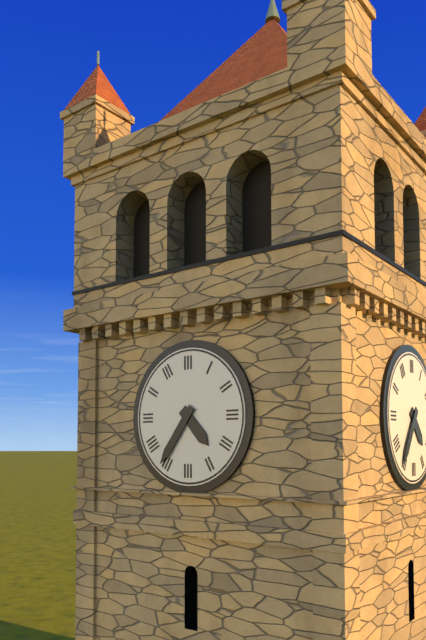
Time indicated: 4:36
